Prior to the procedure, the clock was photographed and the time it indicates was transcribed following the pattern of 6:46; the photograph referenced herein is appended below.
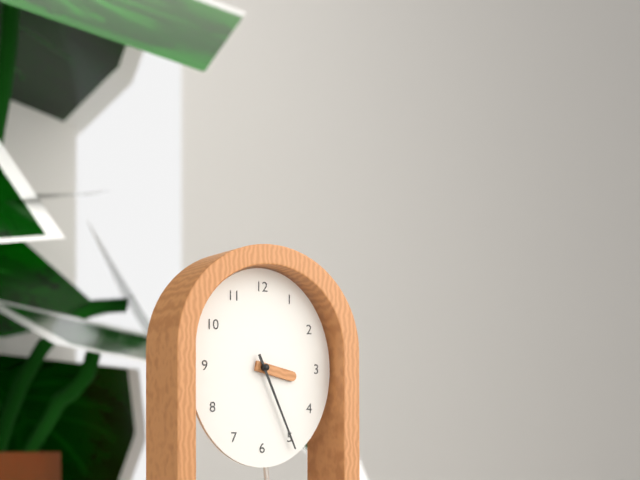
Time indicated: 3:26
